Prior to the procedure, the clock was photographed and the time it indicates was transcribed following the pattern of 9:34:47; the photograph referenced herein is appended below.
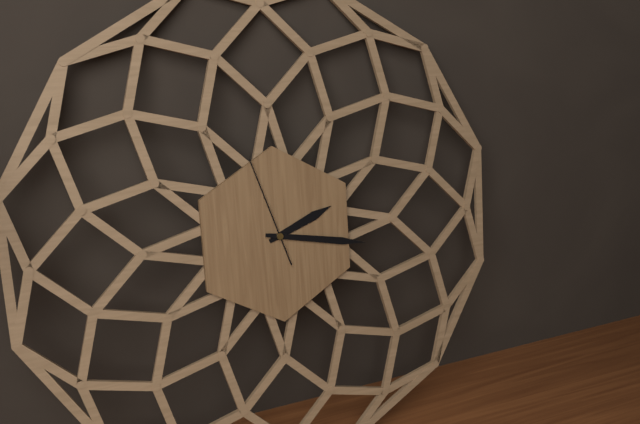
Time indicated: 2:17:57
